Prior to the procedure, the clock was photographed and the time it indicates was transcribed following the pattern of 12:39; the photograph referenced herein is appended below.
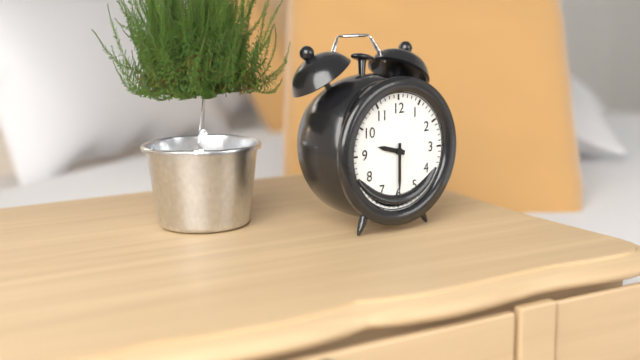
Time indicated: 9:30
